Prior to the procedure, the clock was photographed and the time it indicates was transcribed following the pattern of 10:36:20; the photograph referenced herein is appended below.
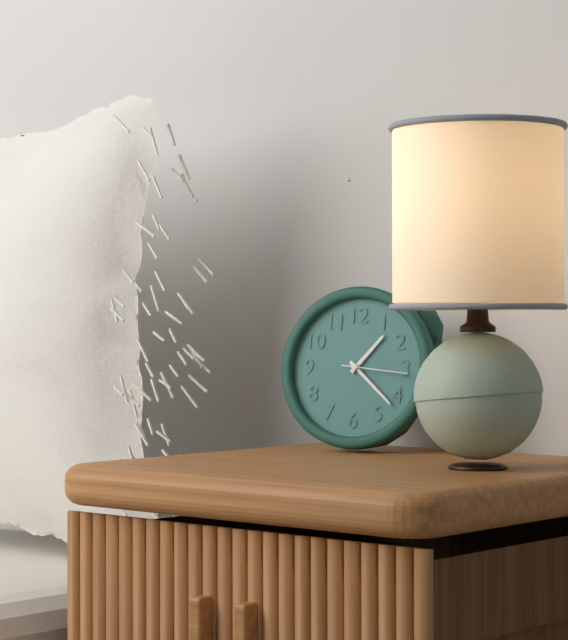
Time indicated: 1:22:16
